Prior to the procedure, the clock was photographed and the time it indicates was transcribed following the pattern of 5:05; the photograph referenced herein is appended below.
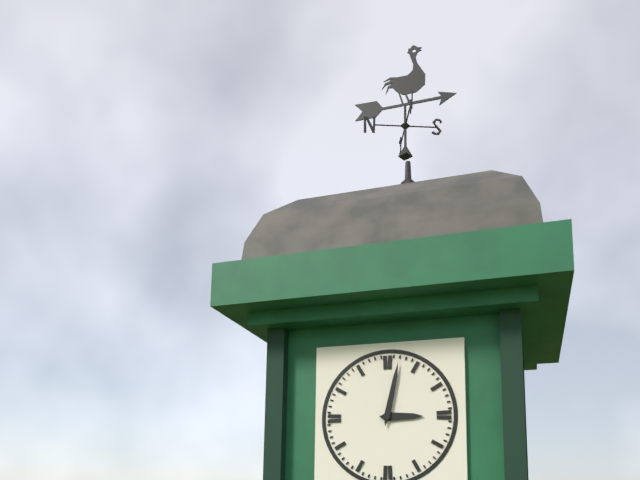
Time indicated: 3:02
